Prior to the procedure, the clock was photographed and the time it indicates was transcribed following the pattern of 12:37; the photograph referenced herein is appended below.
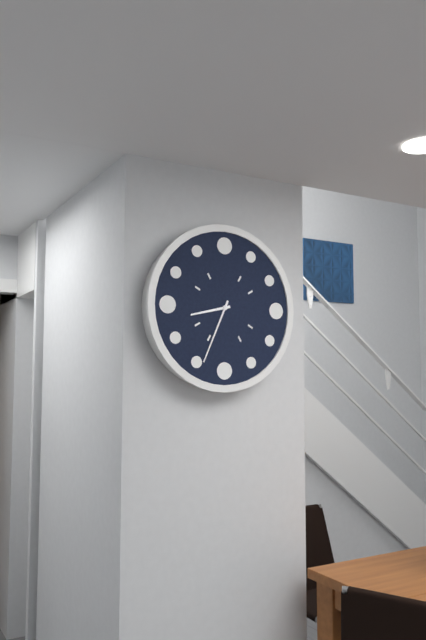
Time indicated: 8:34
